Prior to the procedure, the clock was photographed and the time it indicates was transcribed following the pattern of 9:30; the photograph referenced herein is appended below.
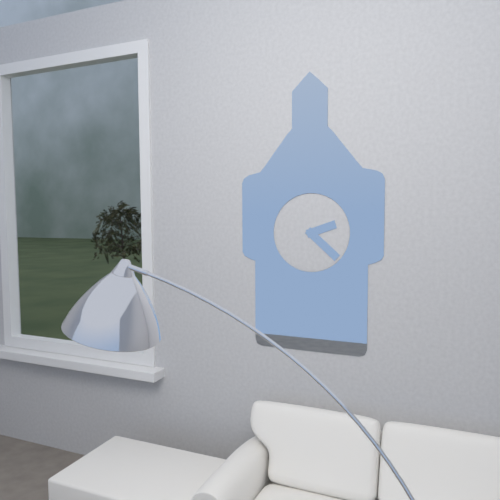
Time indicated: 2:22
